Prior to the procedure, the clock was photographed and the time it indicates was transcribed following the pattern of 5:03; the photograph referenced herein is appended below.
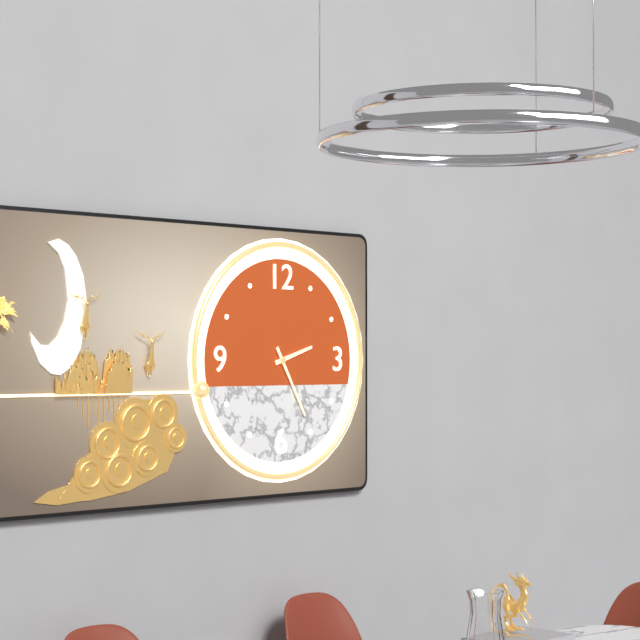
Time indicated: 2:25
